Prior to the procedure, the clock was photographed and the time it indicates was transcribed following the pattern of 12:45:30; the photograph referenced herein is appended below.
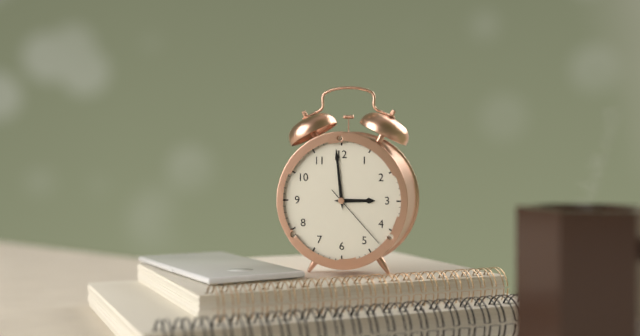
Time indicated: 2:59:23
